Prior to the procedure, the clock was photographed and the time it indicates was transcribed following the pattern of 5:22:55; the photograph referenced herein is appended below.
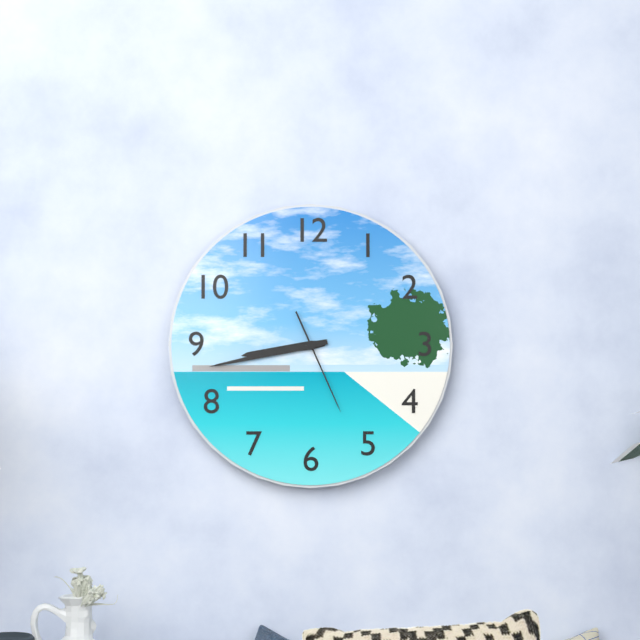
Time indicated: 8:43:26
